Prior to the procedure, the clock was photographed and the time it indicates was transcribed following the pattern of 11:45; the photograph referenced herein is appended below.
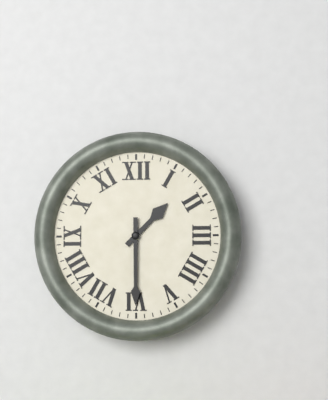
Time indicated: 1:30
